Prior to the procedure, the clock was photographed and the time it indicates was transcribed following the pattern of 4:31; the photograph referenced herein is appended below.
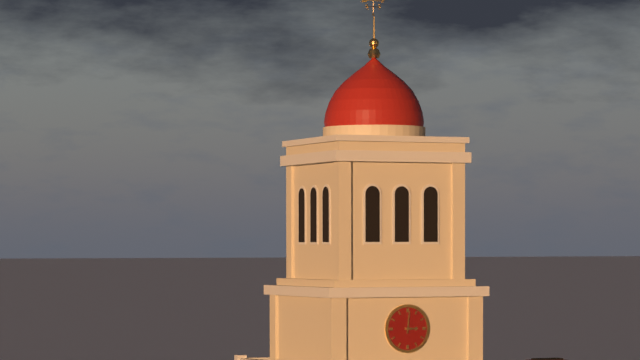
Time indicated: 3:01
